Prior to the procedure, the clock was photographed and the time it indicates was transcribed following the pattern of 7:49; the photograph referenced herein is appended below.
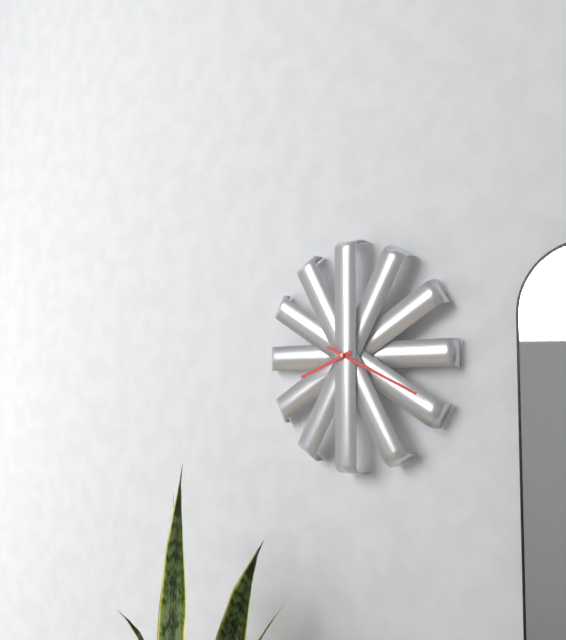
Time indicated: 8:19
